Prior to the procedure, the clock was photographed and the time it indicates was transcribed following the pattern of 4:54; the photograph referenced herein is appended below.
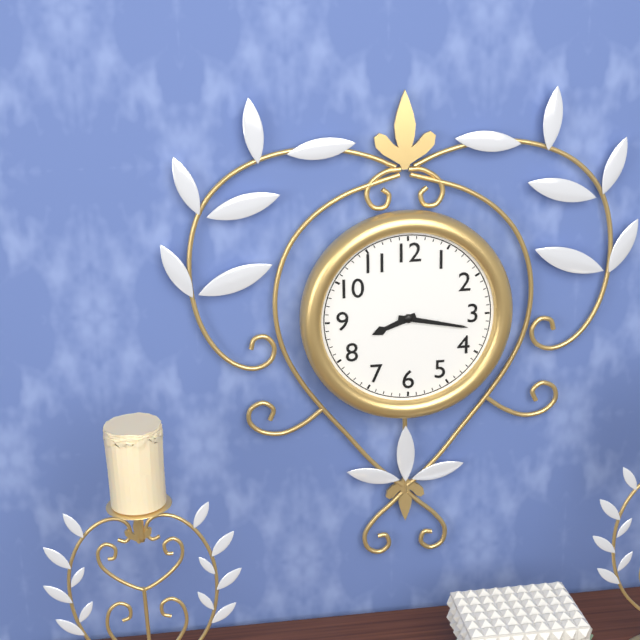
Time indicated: 8:17
